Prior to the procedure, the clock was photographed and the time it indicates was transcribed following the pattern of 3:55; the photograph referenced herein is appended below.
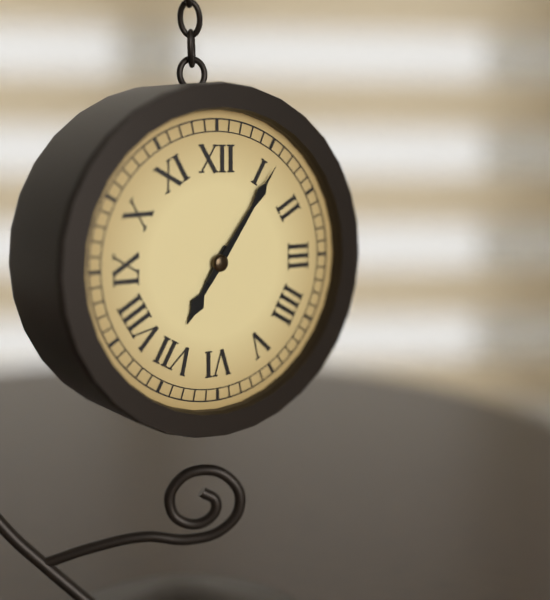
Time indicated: 7:06
